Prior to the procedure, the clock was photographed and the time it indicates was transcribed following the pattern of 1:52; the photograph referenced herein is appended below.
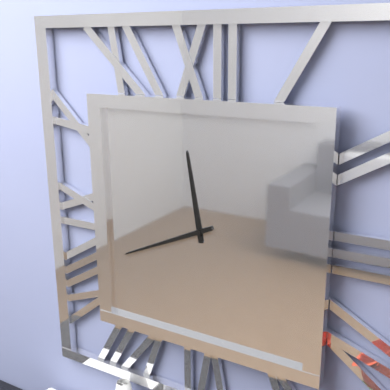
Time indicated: 11:41
